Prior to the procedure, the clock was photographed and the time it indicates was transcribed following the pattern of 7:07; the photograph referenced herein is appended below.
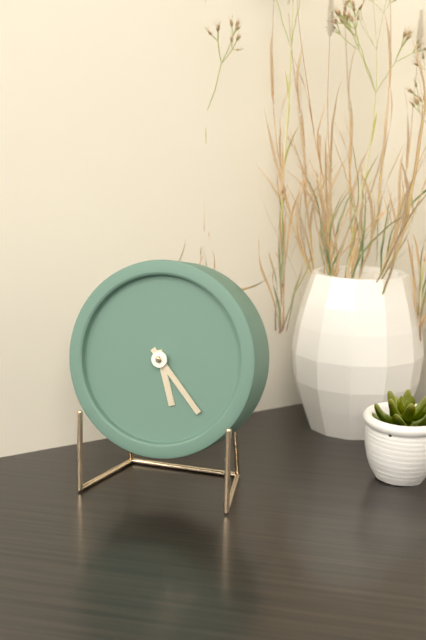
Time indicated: 5:23
